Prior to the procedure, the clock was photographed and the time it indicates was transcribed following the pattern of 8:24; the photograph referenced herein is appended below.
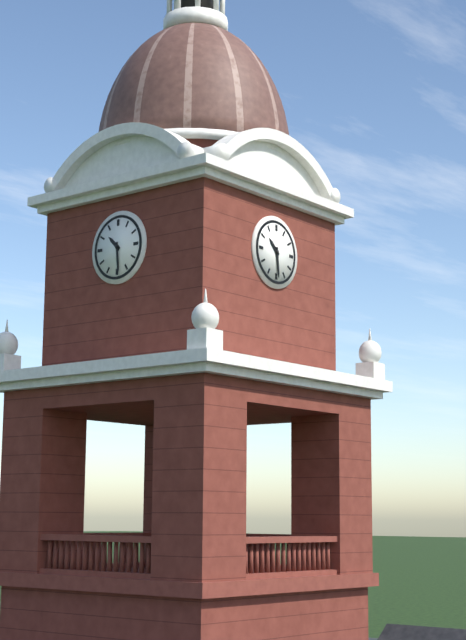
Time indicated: 10:29
